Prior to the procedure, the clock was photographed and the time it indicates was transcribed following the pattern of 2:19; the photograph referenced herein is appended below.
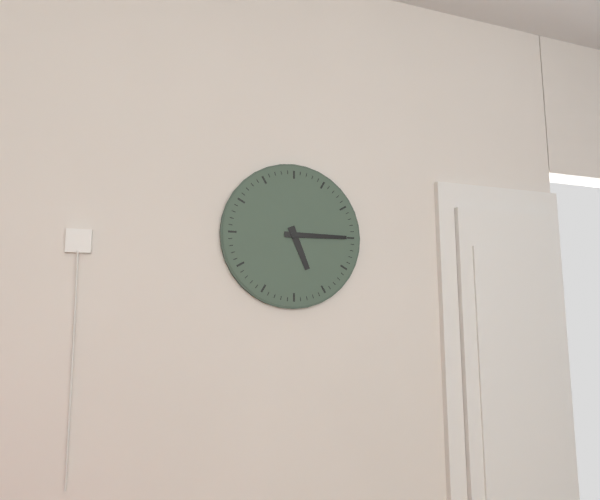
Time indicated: 5:15
